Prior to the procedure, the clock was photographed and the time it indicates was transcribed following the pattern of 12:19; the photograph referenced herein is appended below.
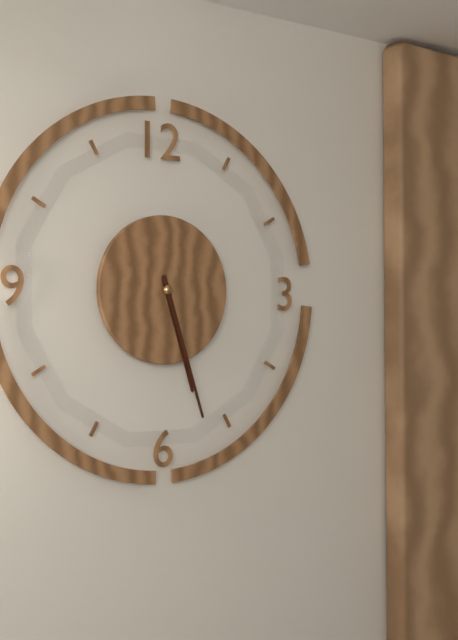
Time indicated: 5:27
